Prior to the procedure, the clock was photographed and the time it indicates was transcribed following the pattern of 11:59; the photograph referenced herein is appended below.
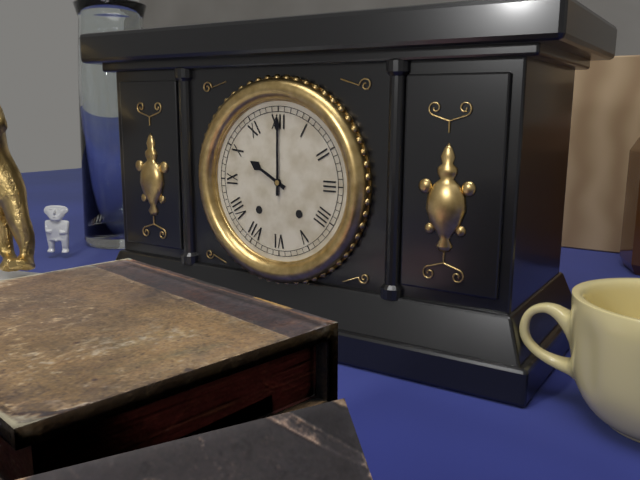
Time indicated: 10:00
